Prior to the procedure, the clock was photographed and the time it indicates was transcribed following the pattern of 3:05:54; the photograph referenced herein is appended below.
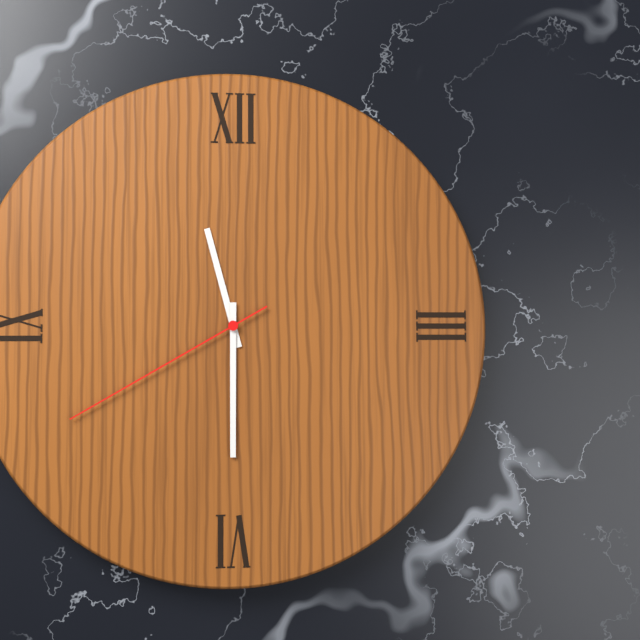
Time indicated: 11:30:40
